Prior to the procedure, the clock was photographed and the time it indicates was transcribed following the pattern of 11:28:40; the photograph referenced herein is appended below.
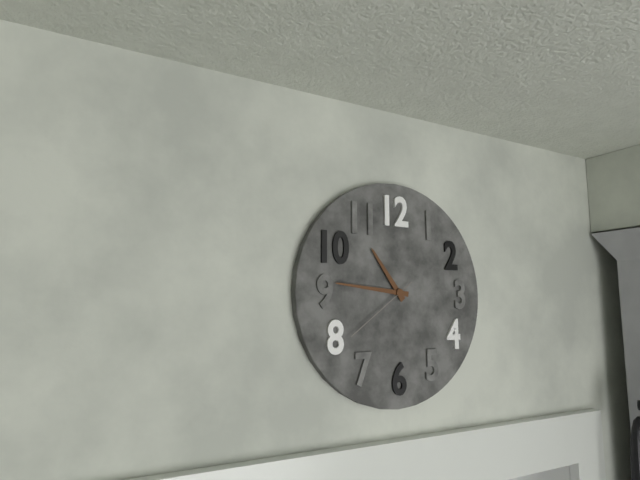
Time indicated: 10:46:39
